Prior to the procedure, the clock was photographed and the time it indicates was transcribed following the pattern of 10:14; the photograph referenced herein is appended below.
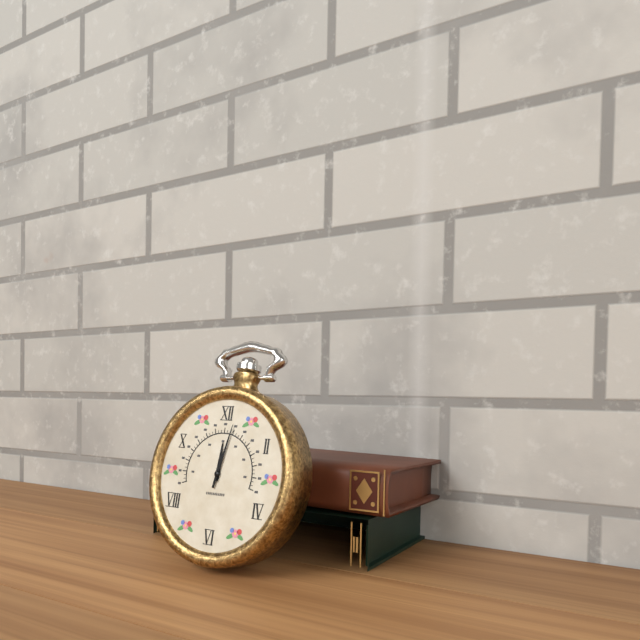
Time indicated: 12:02
